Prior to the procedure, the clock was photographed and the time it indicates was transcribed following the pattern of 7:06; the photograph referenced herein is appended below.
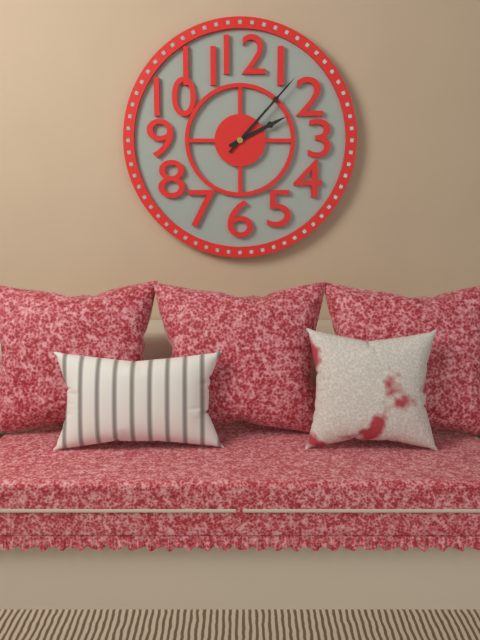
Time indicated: 2:07
